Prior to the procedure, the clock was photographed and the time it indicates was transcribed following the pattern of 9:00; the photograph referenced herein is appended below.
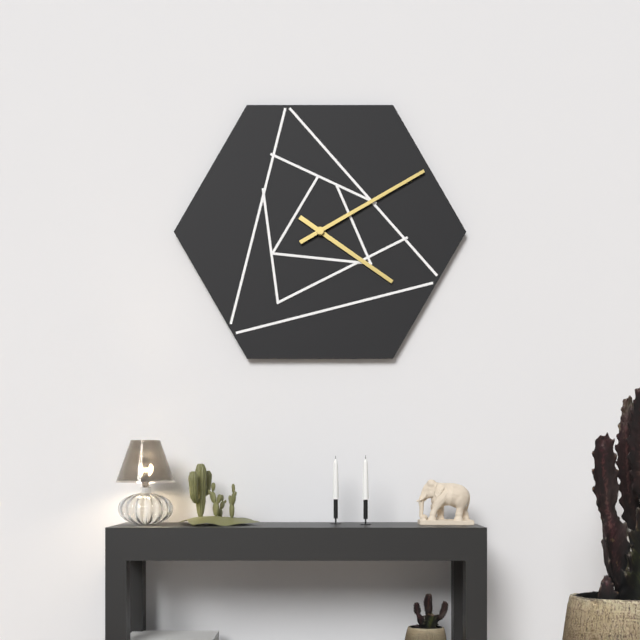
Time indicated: 4:10
